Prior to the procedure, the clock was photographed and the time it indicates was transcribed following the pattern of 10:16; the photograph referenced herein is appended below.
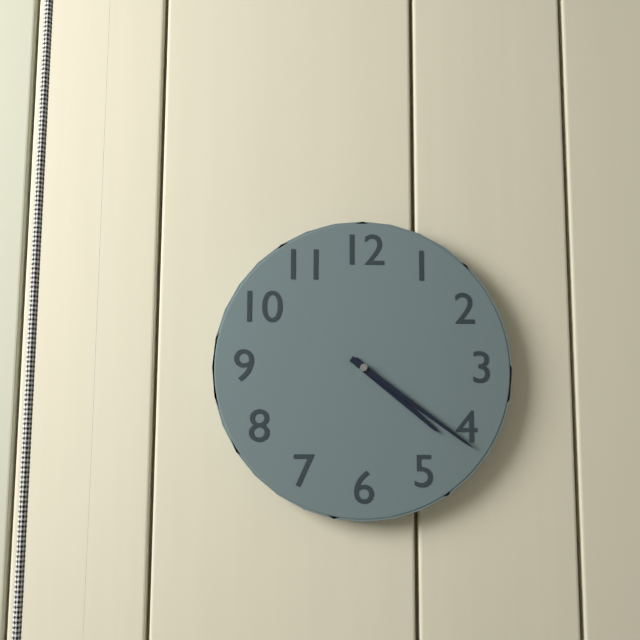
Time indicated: 4:21
